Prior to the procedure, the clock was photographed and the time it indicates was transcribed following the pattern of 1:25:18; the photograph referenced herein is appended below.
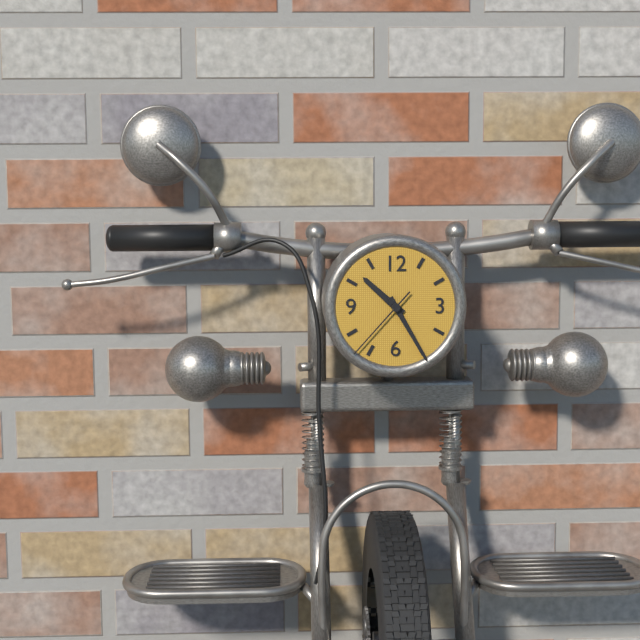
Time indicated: 10:25:37
